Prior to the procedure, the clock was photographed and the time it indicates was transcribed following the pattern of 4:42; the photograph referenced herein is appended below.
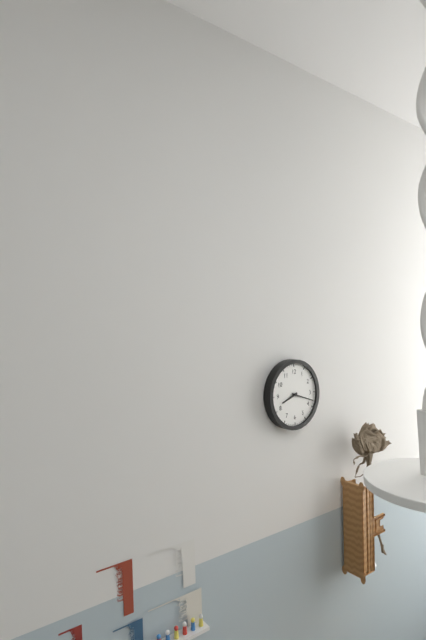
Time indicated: 8:18
